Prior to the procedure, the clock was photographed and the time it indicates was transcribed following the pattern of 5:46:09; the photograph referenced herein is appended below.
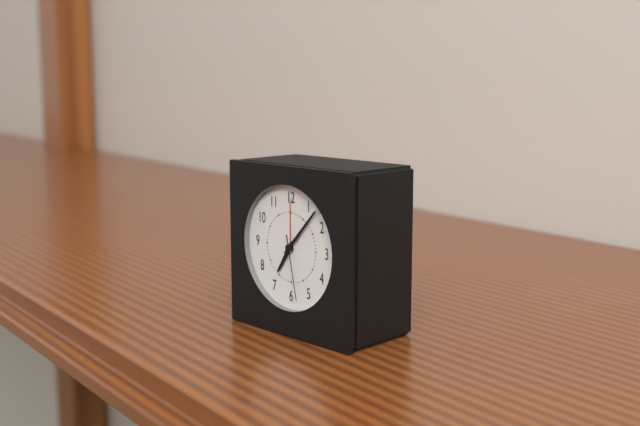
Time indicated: 7:07:28
